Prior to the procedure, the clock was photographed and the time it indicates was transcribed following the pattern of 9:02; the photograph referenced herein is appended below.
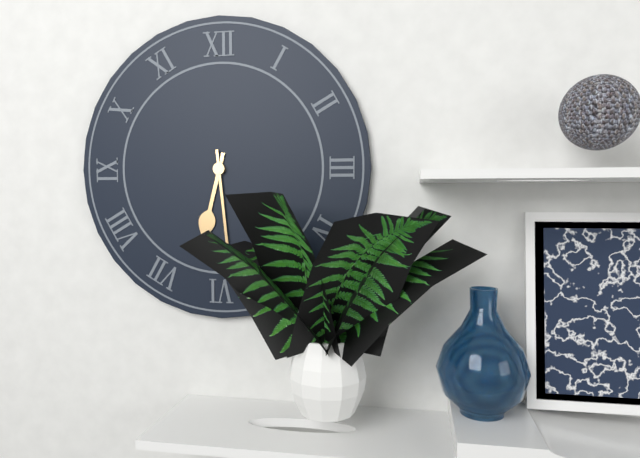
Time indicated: 6:29
